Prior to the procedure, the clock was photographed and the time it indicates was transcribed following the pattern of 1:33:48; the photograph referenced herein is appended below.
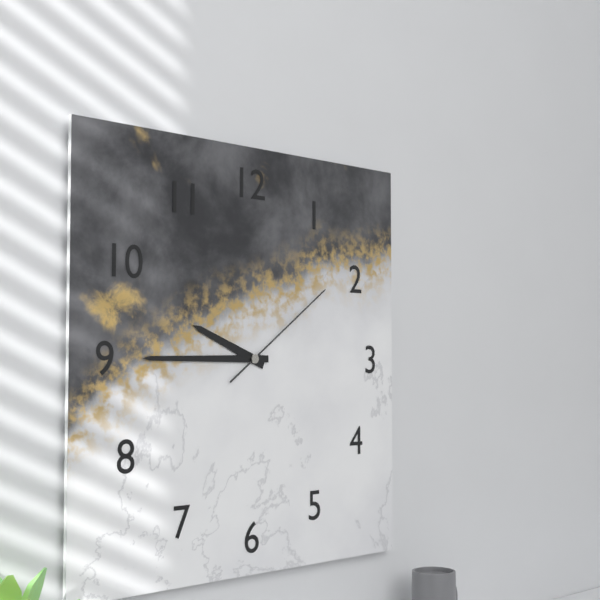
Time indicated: 9:45:09
